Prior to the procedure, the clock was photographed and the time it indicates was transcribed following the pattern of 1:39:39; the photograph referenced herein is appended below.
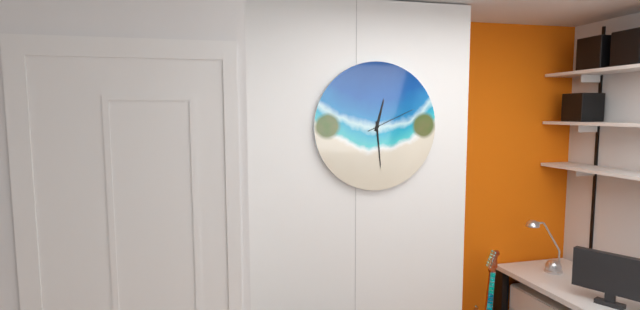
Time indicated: 12:29:11
